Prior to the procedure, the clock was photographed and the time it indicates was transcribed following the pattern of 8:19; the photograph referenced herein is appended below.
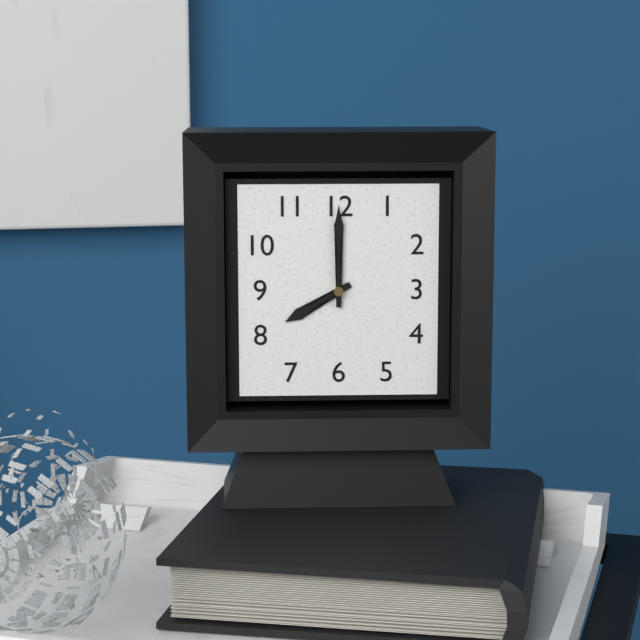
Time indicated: 8:00
